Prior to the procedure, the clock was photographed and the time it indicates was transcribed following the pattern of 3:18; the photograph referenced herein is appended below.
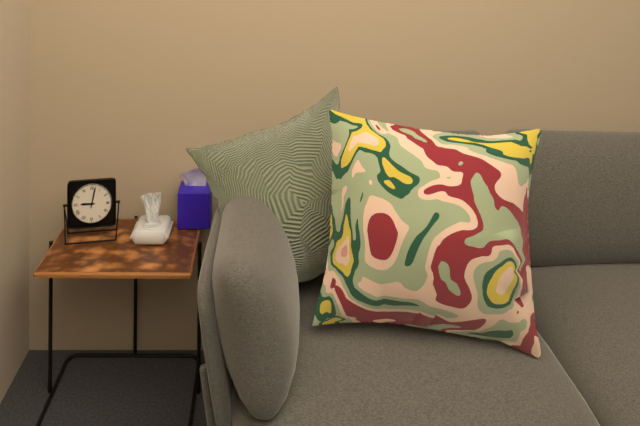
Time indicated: 9:02
